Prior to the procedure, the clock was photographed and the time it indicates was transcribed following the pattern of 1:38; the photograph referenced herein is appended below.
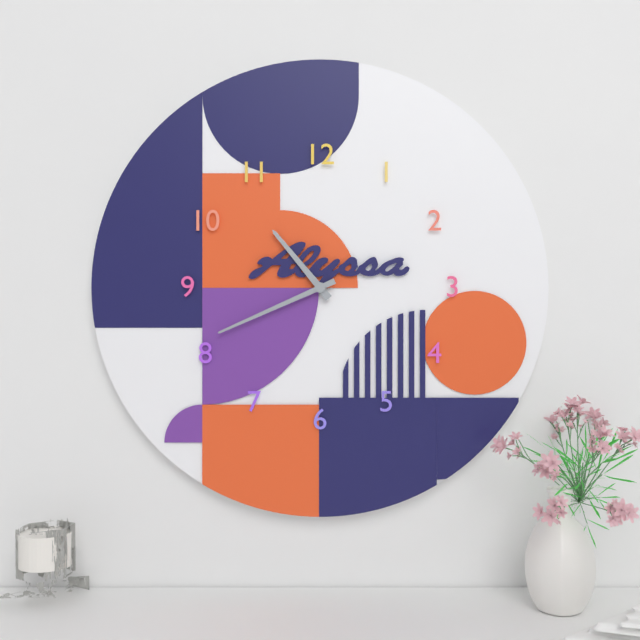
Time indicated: 10:41
